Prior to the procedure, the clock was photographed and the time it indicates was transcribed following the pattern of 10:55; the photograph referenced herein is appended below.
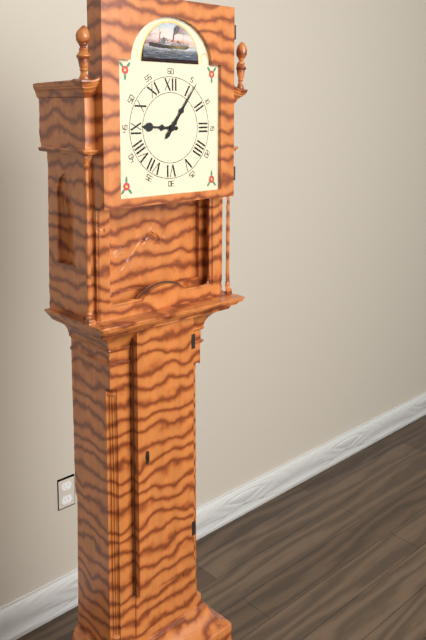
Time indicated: 9:06
